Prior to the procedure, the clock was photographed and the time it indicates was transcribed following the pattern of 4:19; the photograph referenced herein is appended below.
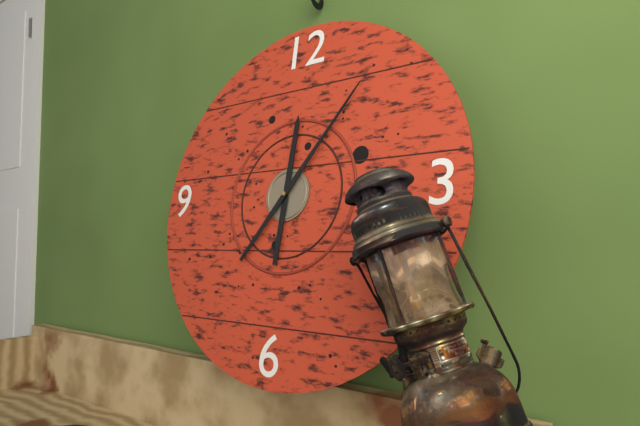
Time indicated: 12:06
